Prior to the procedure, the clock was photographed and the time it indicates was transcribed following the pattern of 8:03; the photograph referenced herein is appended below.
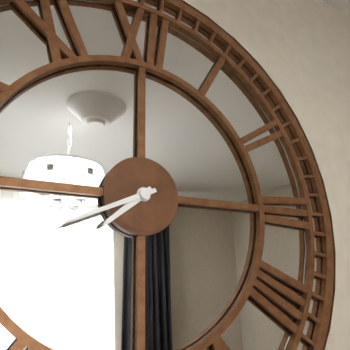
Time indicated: 7:41
